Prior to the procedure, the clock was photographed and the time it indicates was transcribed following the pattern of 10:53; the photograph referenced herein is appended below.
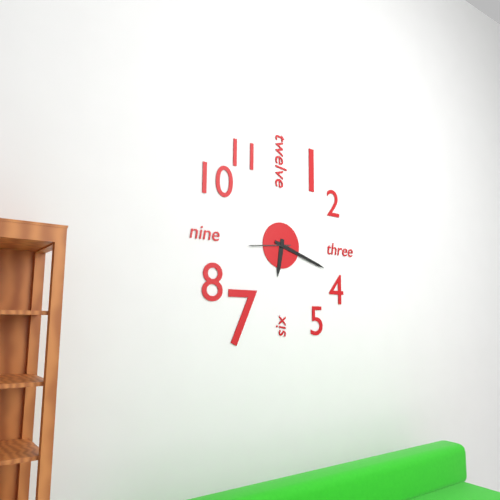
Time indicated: 6:18
